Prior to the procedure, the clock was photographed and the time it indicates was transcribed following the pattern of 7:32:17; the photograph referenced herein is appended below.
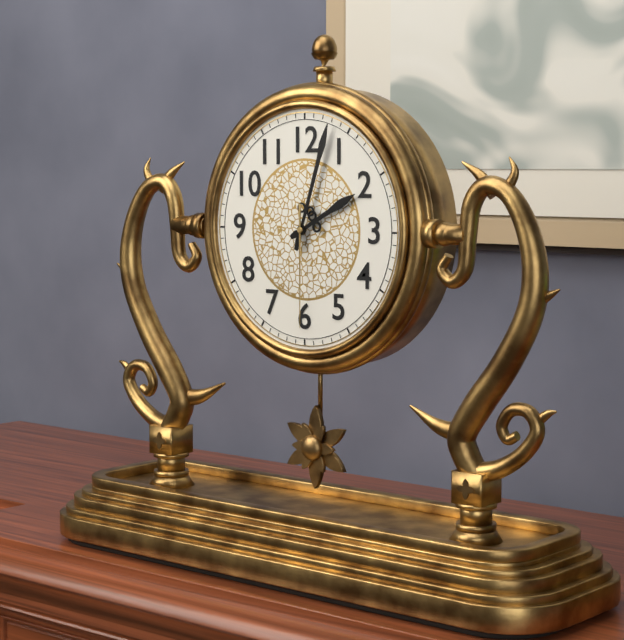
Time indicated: 2:03:30
